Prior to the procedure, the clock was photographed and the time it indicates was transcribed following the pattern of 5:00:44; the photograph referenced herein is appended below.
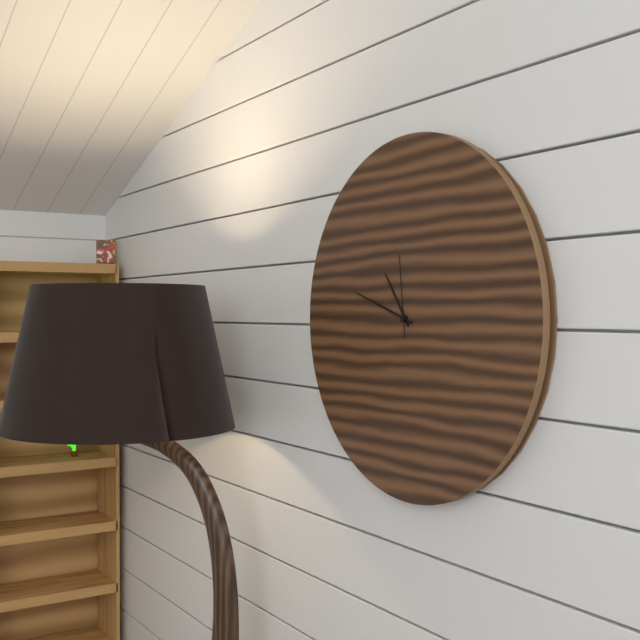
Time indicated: 10:48:59
